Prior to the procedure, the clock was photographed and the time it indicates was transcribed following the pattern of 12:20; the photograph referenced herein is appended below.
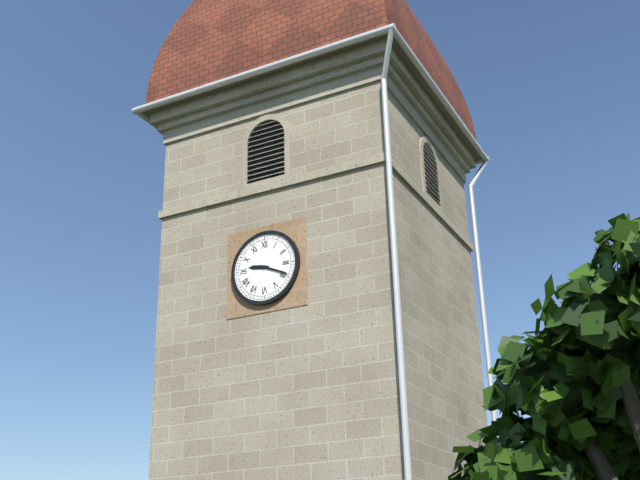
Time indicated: 9:19
